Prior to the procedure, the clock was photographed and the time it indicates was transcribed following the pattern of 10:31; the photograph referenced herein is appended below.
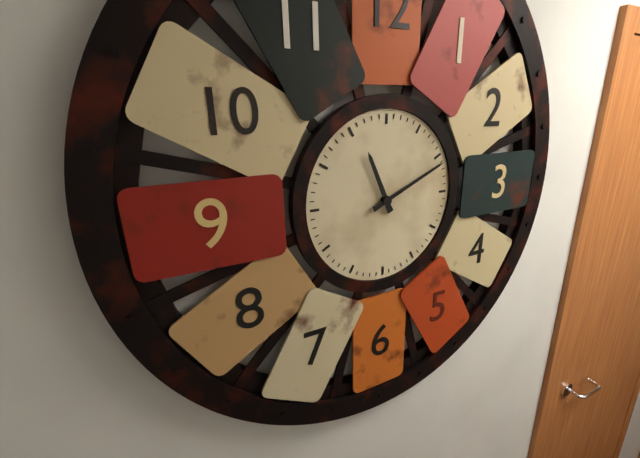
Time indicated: 11:11
